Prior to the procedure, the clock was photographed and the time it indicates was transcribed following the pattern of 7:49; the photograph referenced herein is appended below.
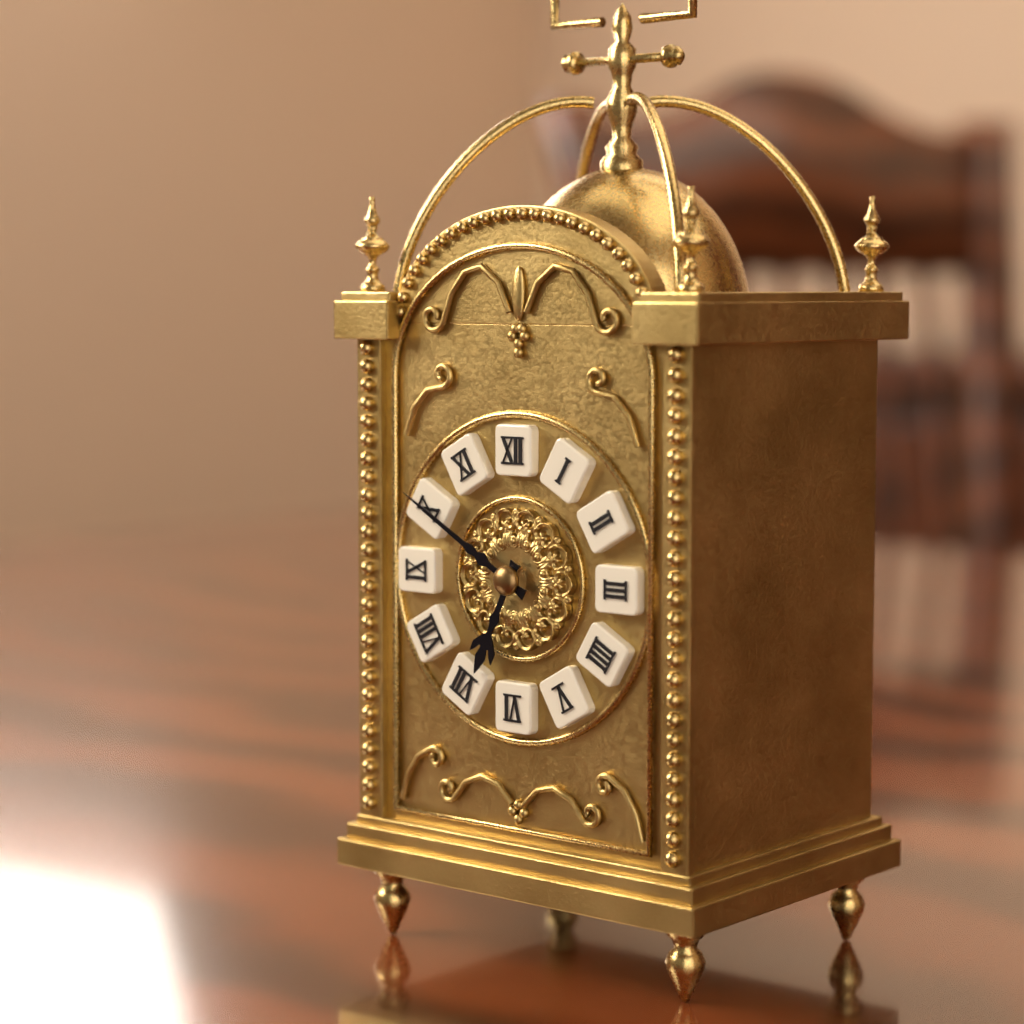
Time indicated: 6:50
